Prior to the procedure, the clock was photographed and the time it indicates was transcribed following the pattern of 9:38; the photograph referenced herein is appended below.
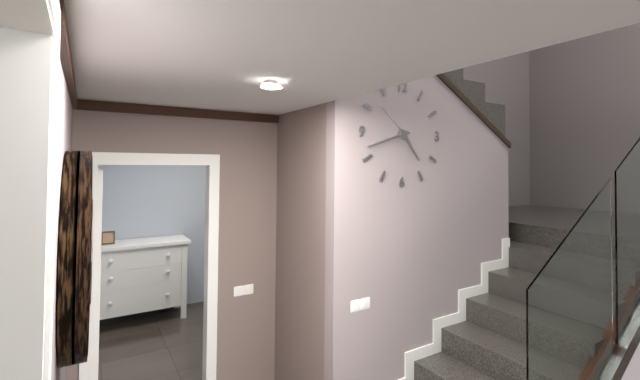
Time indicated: 4:42
